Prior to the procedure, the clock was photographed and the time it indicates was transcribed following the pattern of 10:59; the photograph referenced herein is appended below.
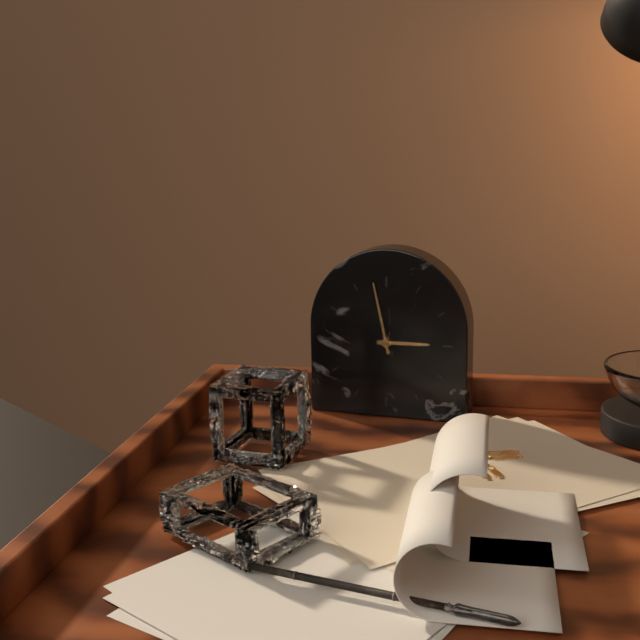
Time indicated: 2:58
